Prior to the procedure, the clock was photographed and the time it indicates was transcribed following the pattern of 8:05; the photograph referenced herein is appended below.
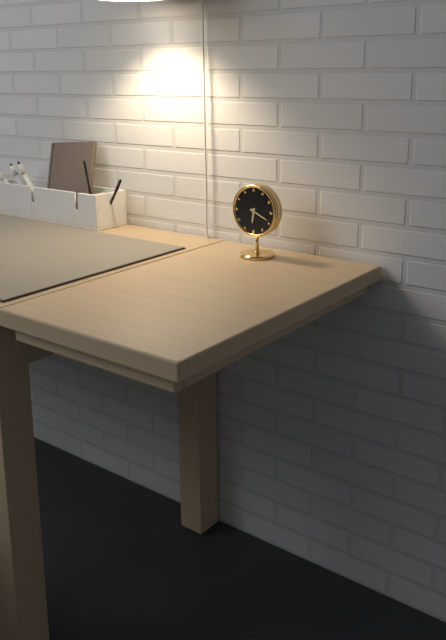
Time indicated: 6:19
